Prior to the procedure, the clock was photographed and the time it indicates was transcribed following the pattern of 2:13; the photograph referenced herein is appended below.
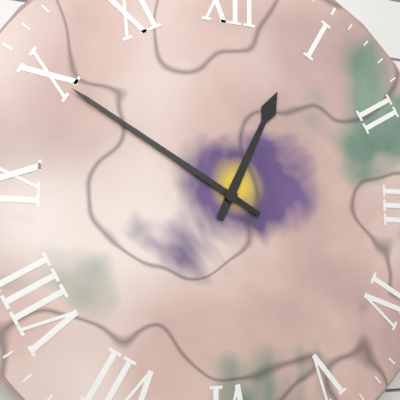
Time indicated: 12:50
